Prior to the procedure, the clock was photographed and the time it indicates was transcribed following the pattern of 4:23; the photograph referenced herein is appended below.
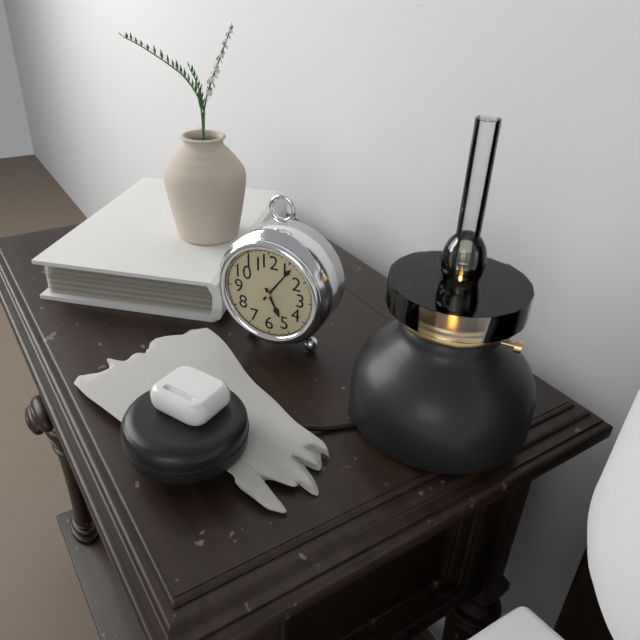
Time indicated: 5:06
